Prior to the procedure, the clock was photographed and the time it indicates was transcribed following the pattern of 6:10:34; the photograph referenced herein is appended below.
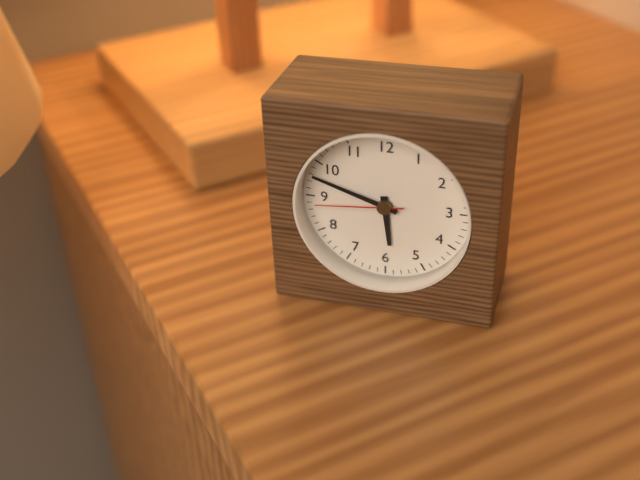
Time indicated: 5:48:44
